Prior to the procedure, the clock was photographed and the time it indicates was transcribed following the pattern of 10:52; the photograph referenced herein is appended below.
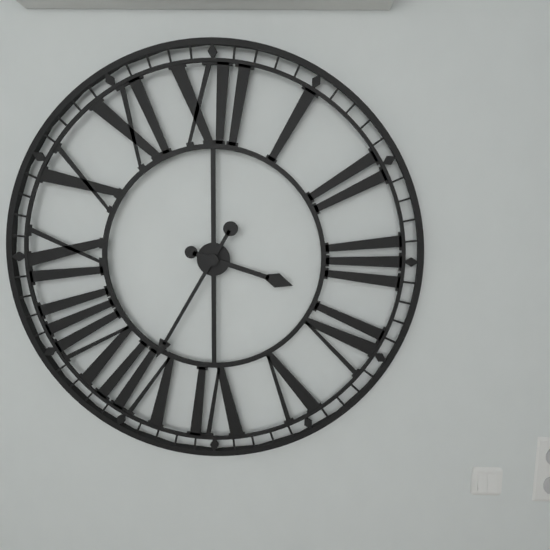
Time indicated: 3:35
